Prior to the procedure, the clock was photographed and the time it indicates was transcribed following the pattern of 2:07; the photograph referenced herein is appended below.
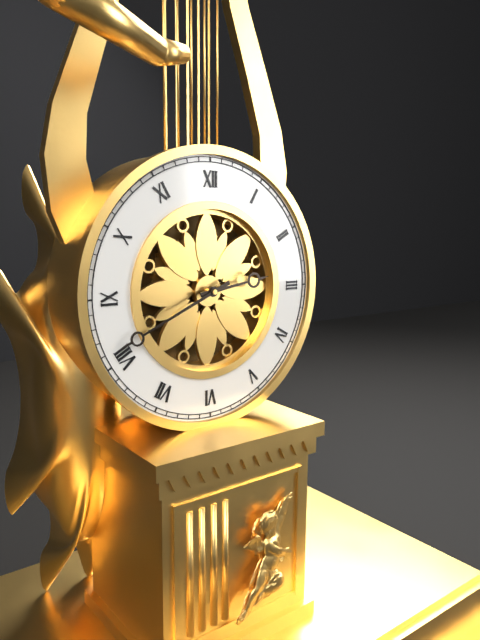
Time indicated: 2:41
